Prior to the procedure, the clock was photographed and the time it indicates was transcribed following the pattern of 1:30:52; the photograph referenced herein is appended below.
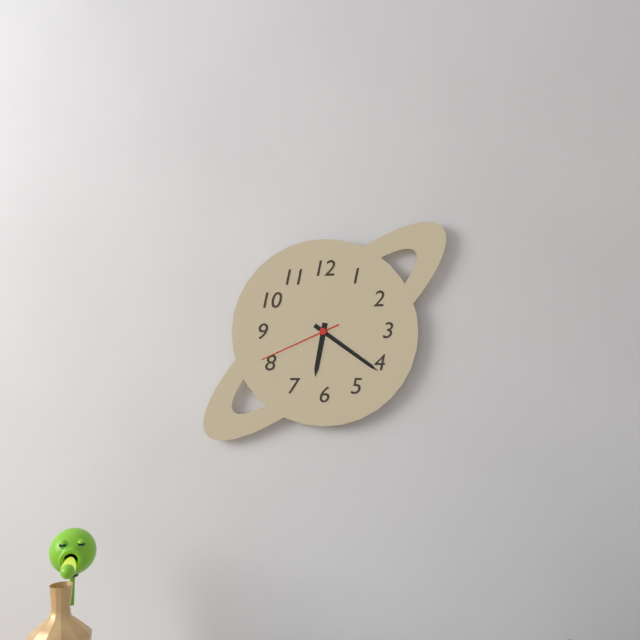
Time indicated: 6:21:41
